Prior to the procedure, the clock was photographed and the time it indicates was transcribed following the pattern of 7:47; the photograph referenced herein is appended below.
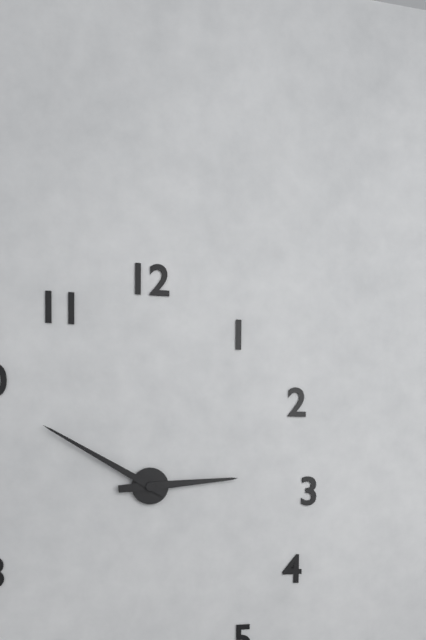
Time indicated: 2:50
